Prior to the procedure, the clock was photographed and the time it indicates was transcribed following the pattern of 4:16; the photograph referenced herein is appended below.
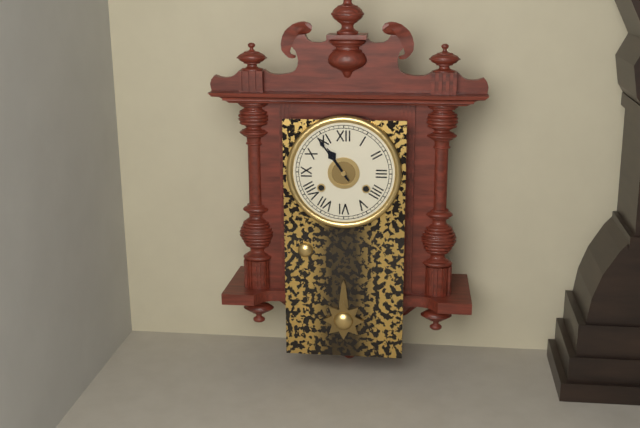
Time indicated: 10:54
